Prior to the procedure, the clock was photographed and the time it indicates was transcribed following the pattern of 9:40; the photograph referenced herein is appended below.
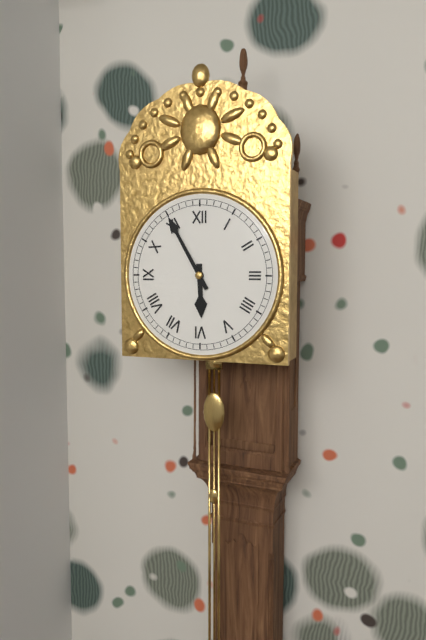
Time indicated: 5:55
